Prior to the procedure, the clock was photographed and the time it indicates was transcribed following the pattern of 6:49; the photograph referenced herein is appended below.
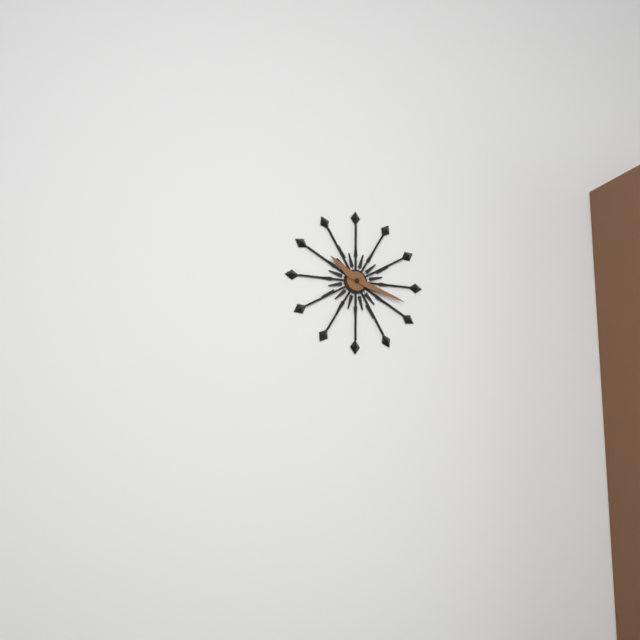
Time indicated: 10:18
